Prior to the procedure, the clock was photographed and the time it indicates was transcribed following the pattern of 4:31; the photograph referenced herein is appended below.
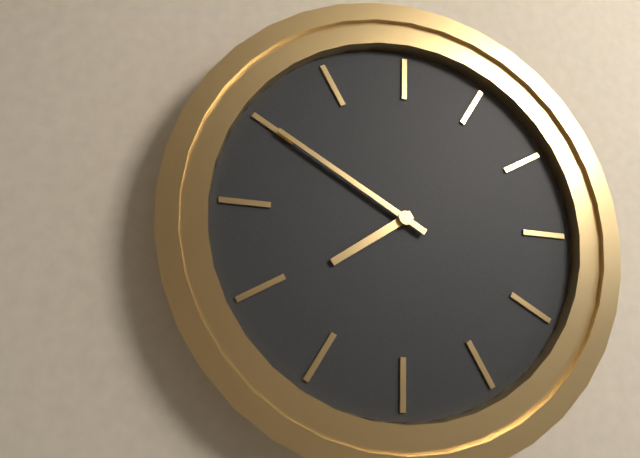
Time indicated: 7:50
